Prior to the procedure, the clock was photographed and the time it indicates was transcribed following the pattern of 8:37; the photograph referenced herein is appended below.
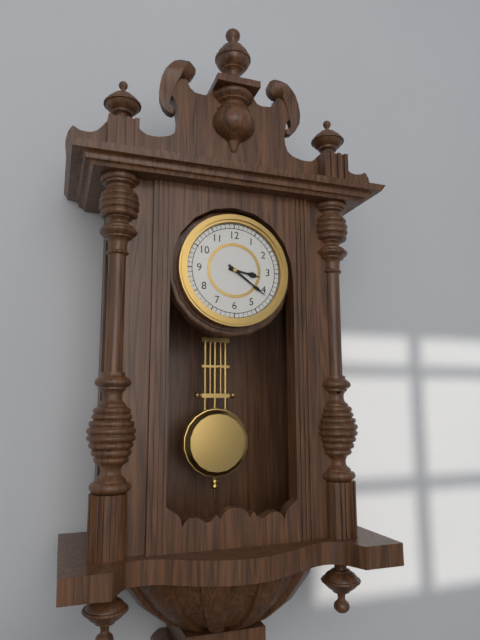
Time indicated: 3:21
